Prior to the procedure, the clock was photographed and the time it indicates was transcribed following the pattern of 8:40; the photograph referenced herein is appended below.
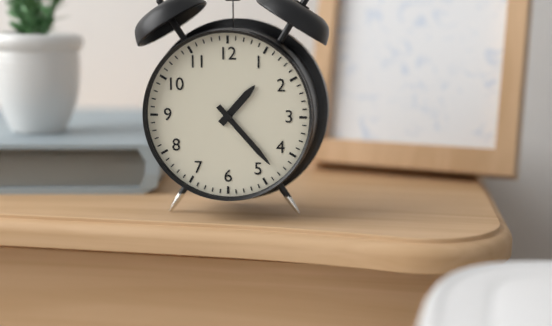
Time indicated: 1:23
